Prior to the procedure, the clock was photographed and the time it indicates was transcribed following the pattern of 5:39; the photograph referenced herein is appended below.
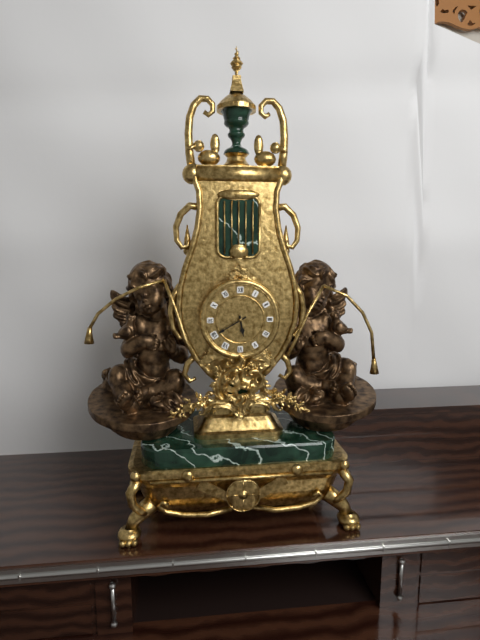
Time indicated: 5:40
